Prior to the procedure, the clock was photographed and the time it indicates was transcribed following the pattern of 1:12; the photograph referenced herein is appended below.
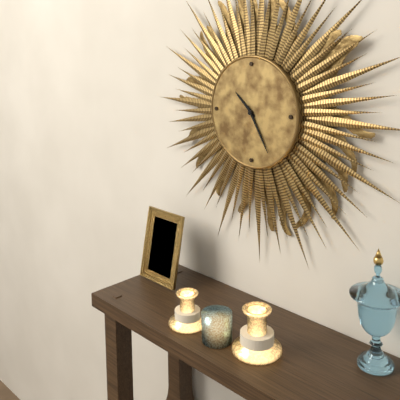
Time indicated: 10:25
